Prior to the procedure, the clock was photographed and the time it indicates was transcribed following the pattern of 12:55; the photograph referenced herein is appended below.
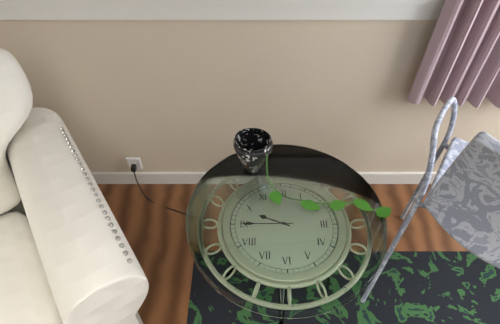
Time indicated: 9:45
